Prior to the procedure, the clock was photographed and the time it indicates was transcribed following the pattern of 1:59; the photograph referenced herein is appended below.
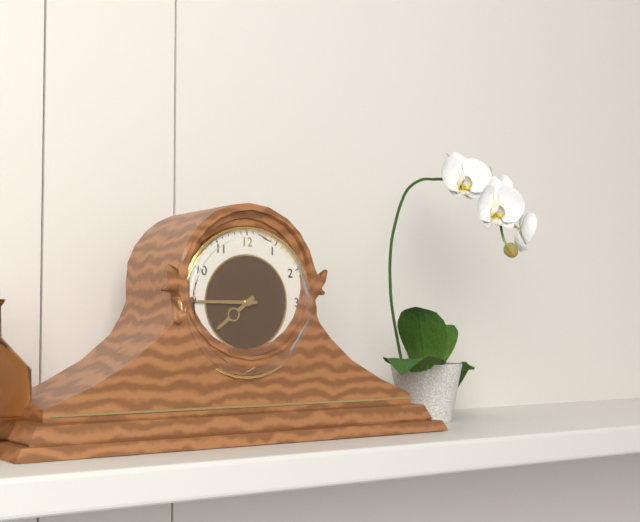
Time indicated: 7:45
